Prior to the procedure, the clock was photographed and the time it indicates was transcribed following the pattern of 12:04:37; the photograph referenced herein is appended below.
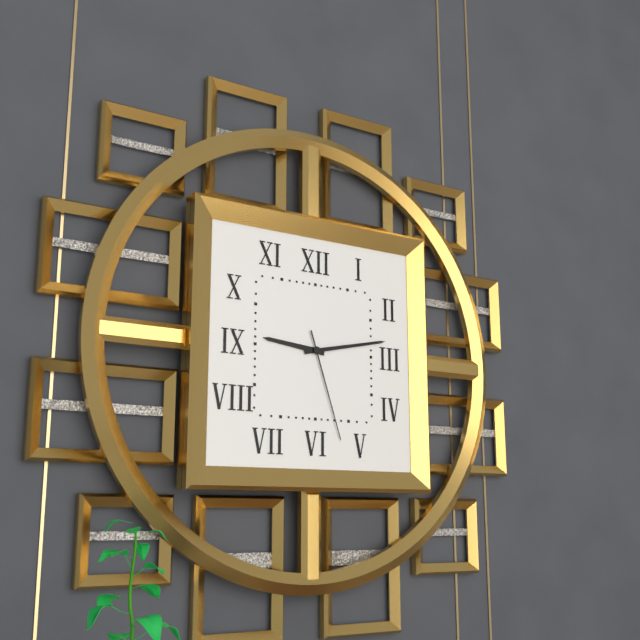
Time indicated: 9:13:27
